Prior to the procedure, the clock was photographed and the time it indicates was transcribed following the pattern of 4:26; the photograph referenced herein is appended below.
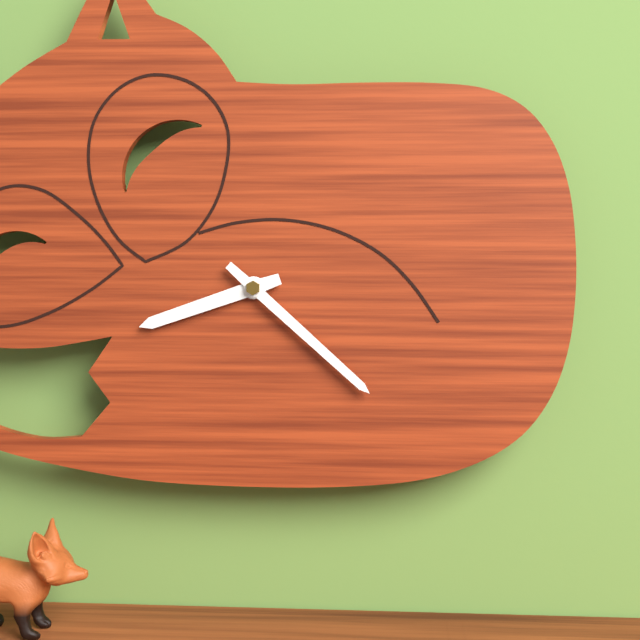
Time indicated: 8:22
